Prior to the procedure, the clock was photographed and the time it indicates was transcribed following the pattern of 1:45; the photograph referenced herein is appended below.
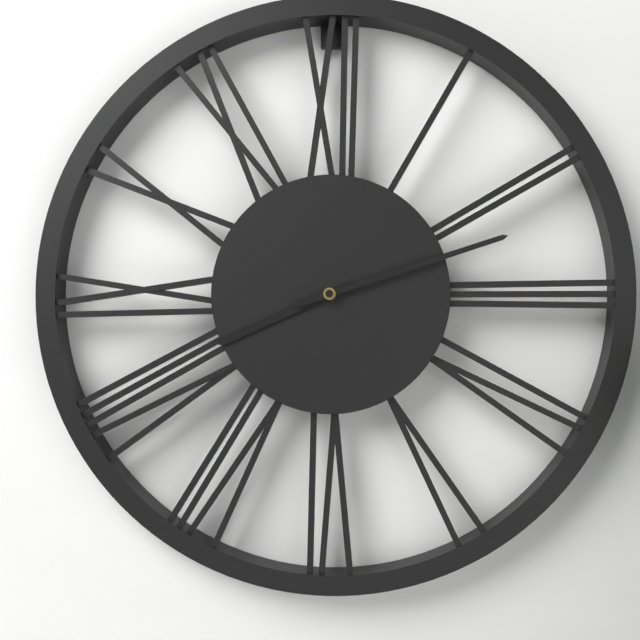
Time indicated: 8:12
